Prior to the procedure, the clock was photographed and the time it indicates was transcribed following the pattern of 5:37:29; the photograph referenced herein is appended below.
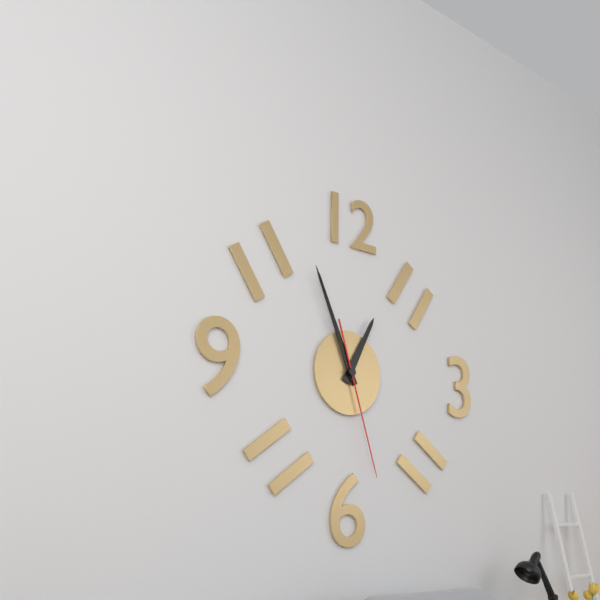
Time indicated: 12:56:27
